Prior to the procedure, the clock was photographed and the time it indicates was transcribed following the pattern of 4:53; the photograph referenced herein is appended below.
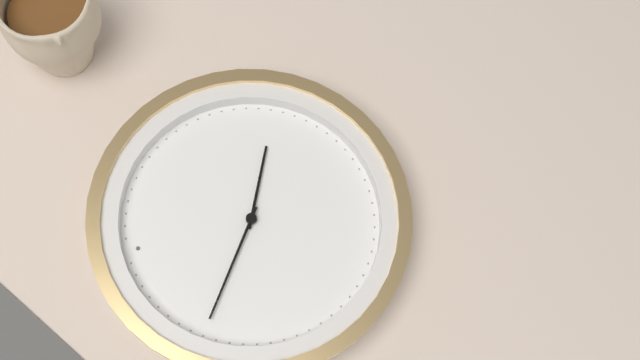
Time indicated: 3:51
